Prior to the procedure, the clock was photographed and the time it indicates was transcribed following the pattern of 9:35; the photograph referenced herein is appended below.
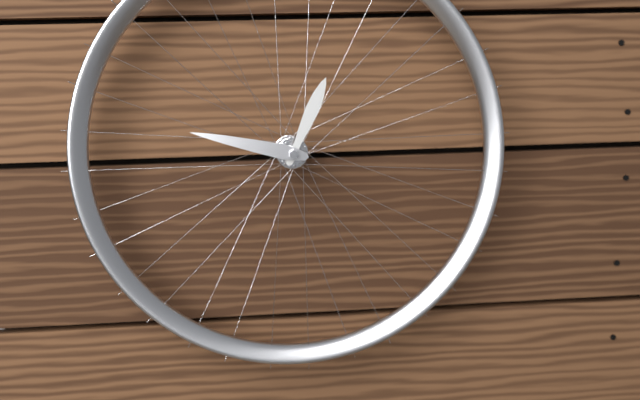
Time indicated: 12:47
